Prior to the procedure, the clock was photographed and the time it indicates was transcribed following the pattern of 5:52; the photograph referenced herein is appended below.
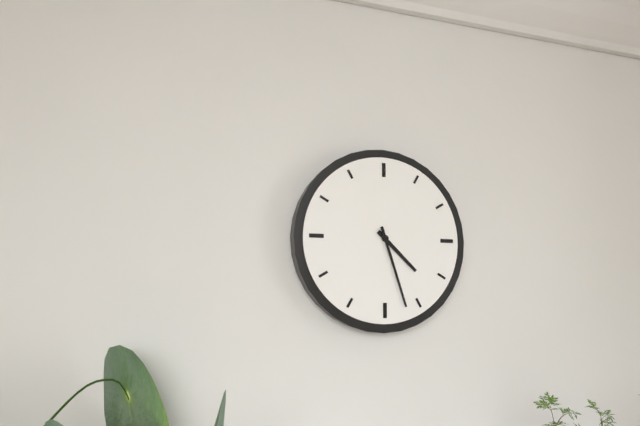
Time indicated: 4:27
